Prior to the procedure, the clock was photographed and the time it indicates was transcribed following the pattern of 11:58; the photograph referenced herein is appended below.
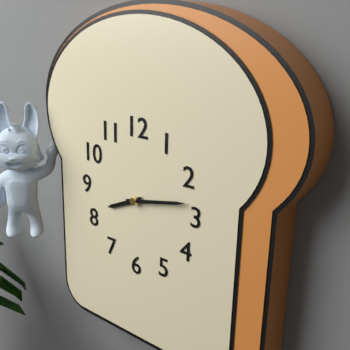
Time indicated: 8:13
